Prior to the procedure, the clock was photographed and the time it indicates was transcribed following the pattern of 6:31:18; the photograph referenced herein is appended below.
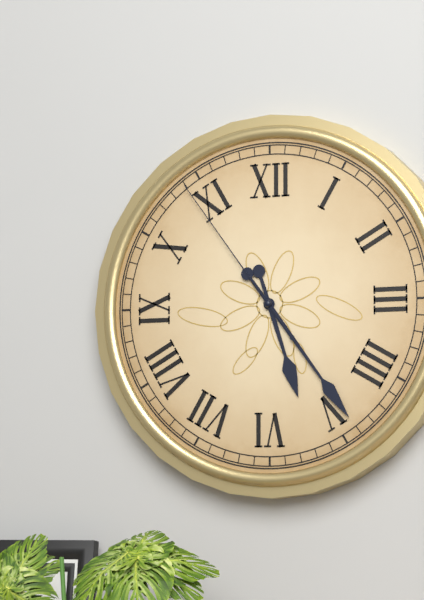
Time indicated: 5:24:54
